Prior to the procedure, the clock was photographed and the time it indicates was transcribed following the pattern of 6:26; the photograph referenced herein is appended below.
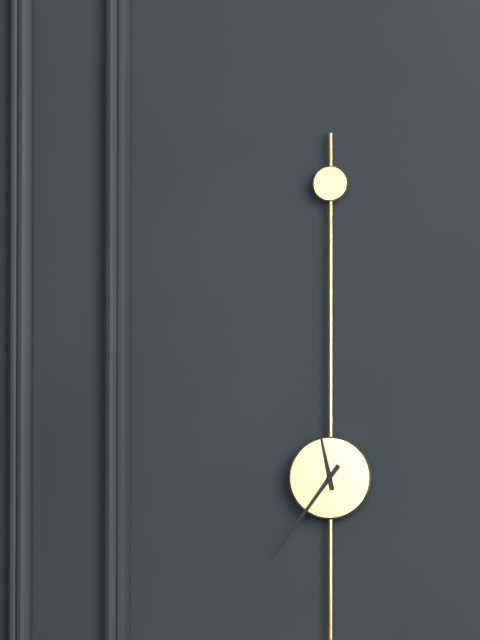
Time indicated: 11:36
